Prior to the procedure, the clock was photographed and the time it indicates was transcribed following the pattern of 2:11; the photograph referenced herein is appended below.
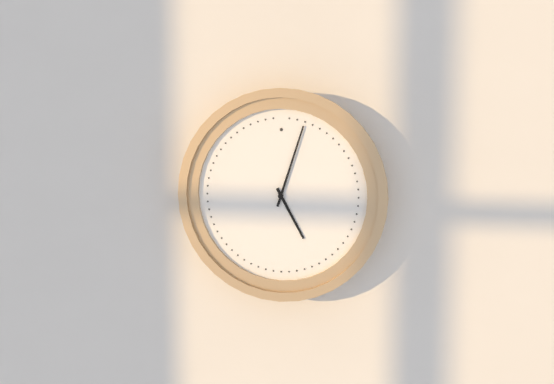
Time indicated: 5:03
